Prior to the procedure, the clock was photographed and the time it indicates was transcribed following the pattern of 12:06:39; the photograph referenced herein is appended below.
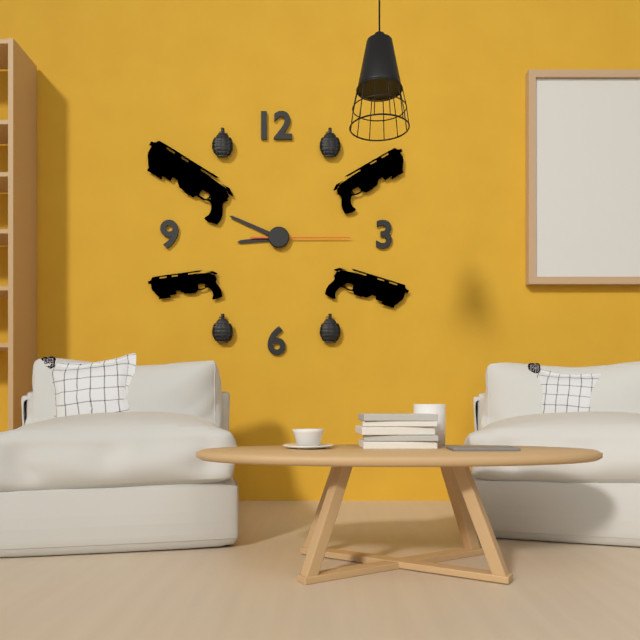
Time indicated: 8:49:15
